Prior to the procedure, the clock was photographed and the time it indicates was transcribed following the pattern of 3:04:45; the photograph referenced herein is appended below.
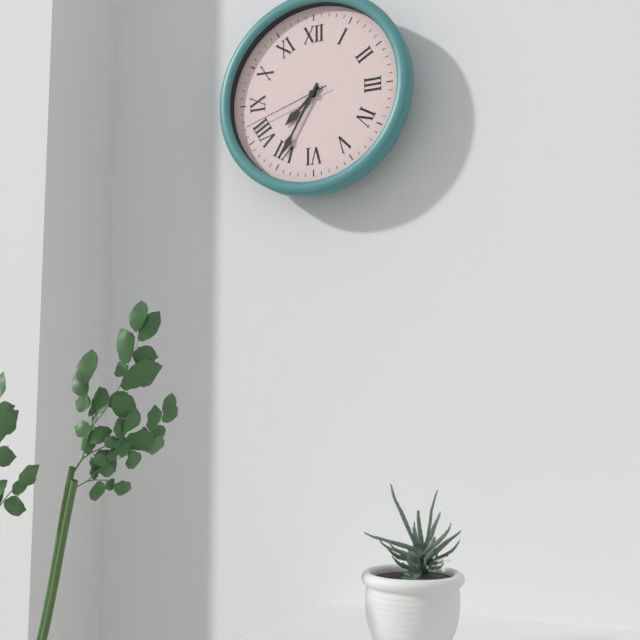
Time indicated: 7:35:42
